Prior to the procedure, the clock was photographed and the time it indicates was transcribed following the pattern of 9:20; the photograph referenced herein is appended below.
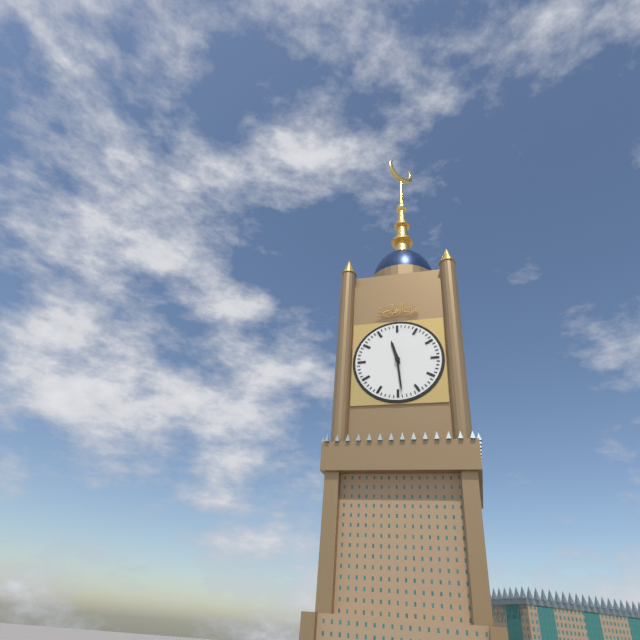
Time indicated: 11:29
